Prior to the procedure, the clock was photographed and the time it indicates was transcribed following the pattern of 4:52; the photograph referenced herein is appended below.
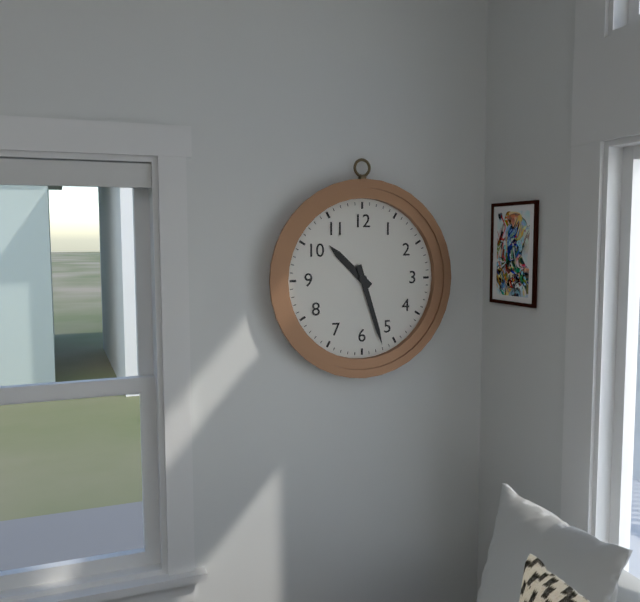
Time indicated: 10:27
